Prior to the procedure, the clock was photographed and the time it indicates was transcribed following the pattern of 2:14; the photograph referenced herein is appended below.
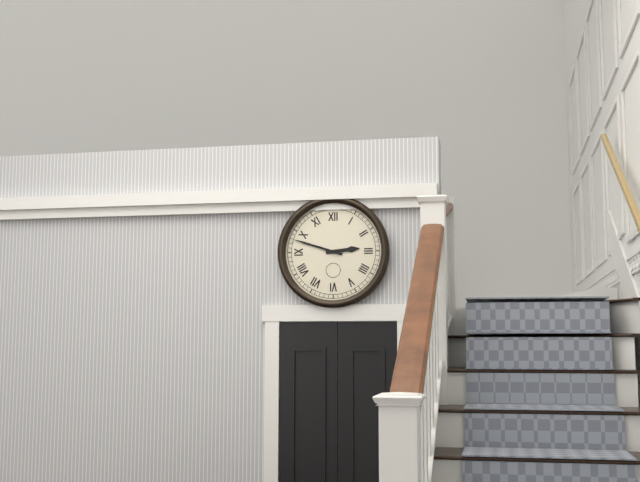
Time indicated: 2:48
